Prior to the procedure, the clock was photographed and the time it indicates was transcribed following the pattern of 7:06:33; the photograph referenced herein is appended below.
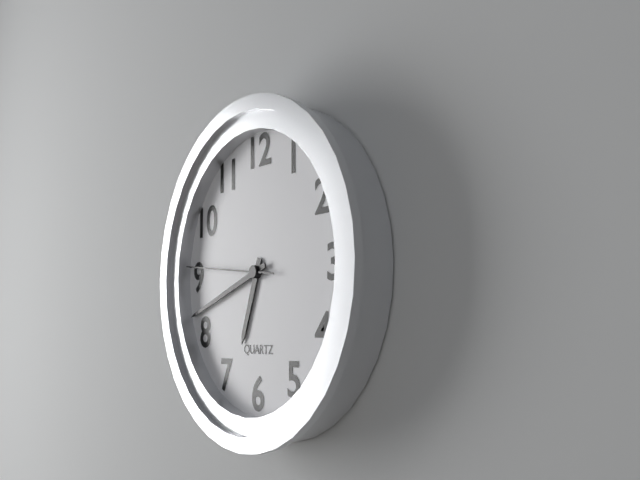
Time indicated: 6:42:46
